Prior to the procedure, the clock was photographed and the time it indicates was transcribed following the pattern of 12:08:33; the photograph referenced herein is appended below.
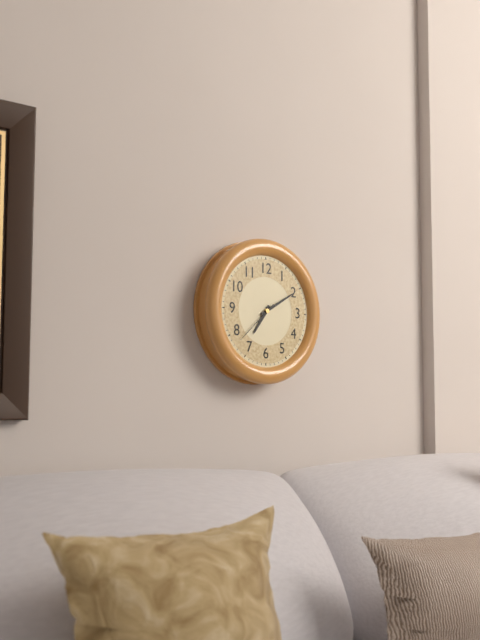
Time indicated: 7:10:38
